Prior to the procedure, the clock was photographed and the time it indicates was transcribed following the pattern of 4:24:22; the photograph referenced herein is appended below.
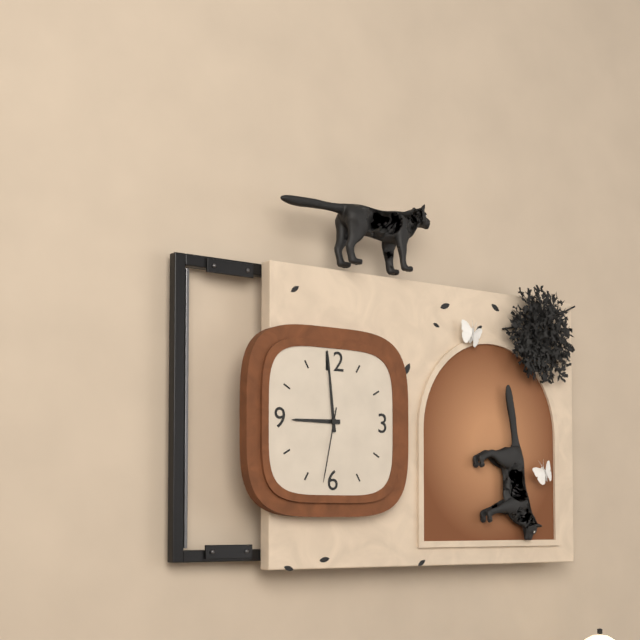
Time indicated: 8:59:32
